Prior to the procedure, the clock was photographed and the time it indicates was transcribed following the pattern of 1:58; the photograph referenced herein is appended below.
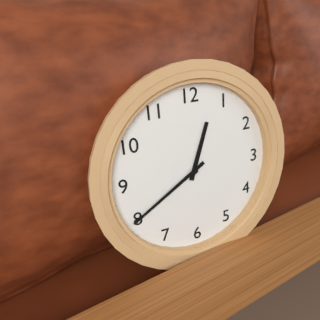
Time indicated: 12:40
